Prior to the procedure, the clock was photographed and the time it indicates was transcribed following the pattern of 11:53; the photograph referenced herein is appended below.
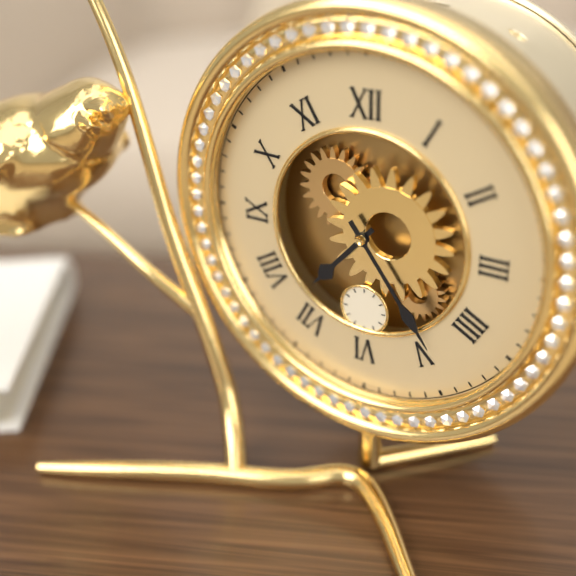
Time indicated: 7:24
